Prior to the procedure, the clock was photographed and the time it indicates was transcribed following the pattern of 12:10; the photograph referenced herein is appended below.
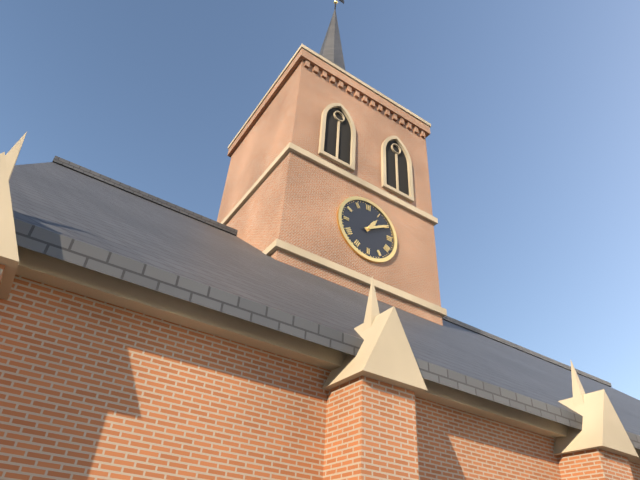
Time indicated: 1:10
